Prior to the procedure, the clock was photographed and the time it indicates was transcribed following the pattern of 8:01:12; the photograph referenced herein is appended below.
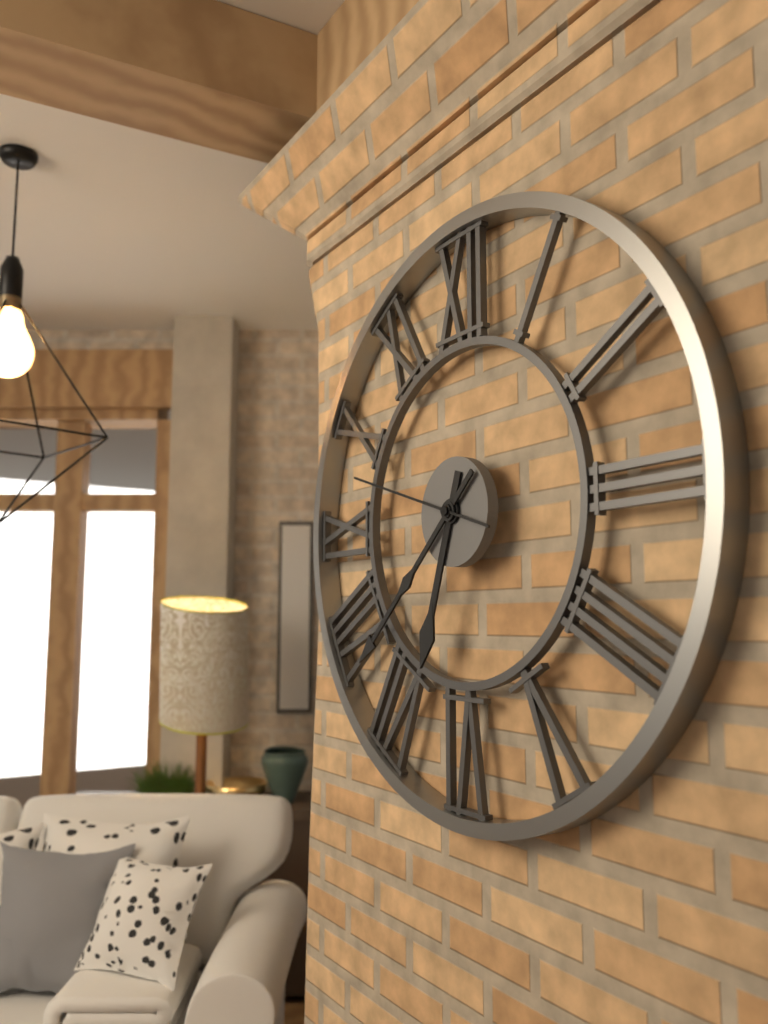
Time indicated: 6:38:48
